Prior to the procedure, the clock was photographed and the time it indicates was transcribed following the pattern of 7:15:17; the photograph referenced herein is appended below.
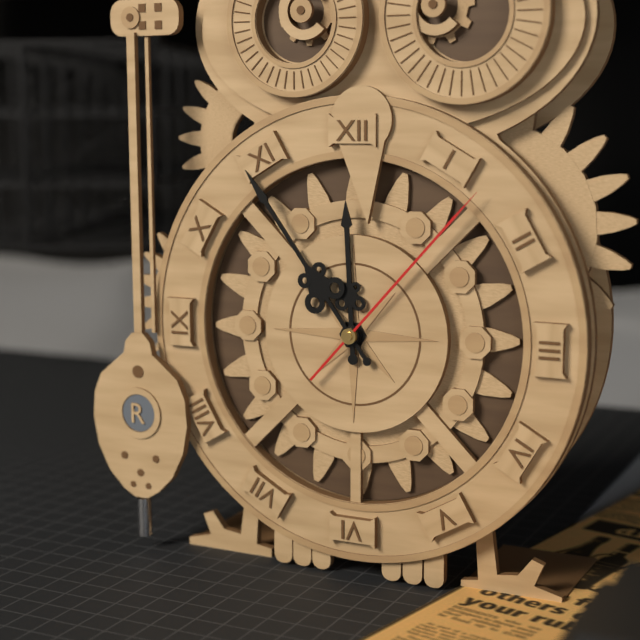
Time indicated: 11:54:07
